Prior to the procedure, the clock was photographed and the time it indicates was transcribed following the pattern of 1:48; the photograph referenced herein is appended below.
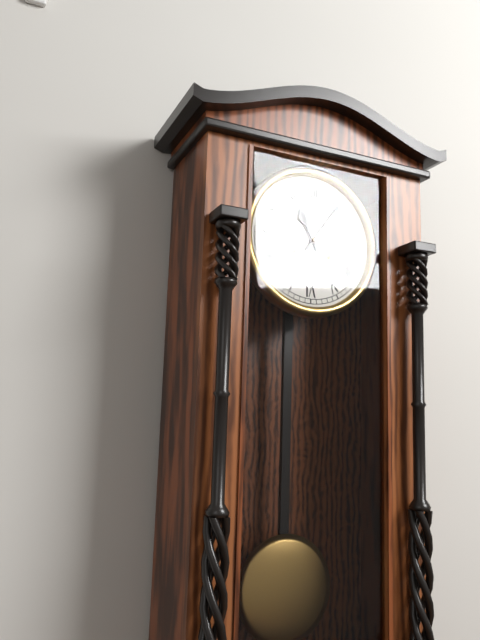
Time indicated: 11:06
